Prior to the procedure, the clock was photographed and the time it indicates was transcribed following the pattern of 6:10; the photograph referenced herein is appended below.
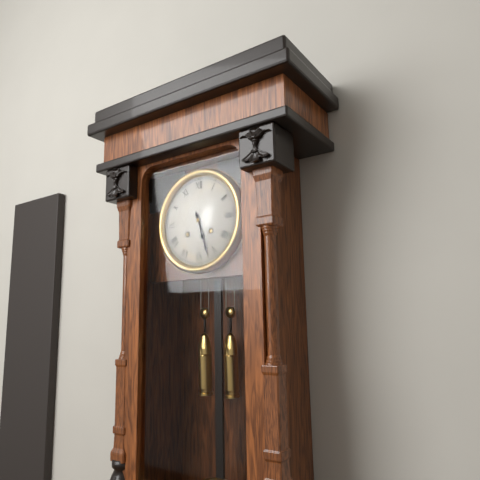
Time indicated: 5:27
